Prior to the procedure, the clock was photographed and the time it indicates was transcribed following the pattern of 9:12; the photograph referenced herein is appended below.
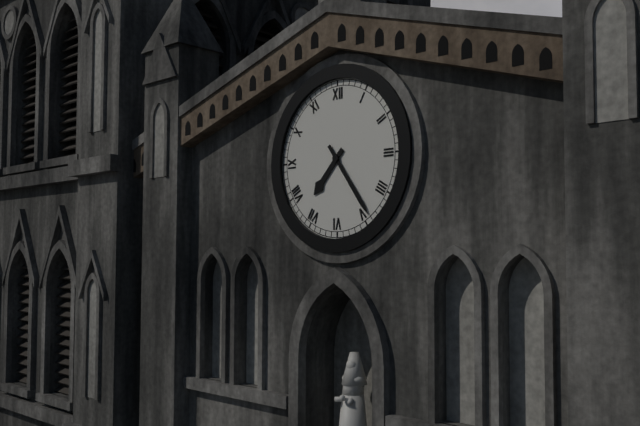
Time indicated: 7:24
